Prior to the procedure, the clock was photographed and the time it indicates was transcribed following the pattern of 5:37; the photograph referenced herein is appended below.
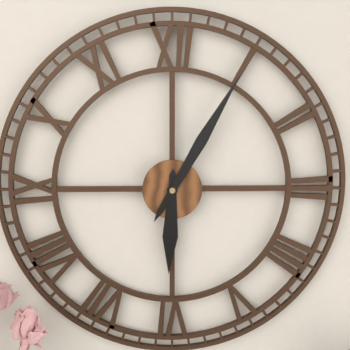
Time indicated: 6:05
